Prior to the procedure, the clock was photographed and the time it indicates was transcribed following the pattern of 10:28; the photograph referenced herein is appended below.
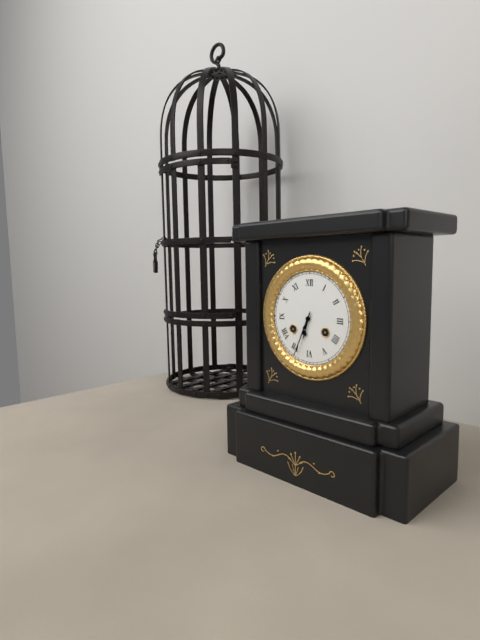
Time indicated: 6:34
